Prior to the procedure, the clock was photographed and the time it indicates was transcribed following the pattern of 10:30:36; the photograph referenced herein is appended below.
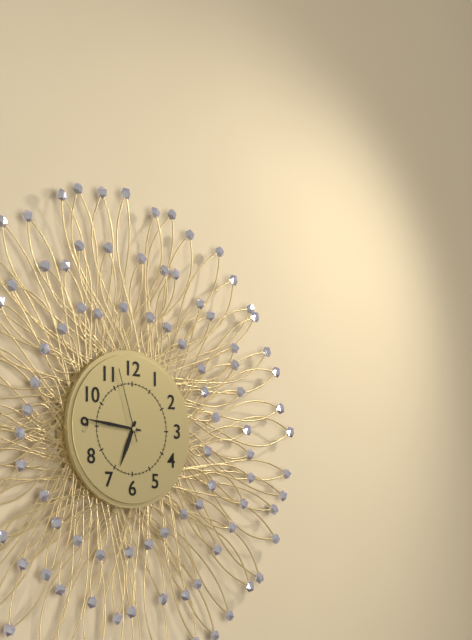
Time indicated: 6:46:57
